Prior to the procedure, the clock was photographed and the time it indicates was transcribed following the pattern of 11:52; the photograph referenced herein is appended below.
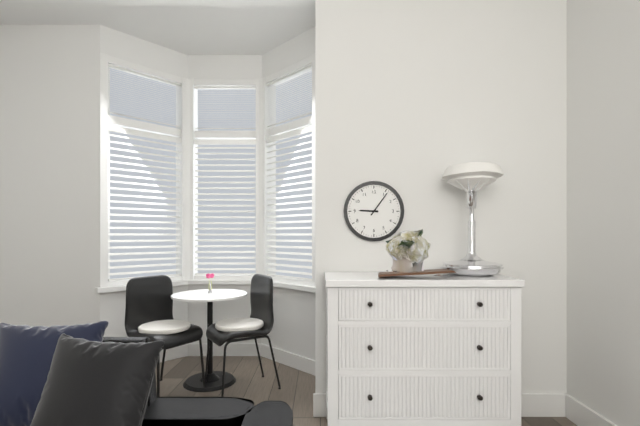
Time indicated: 9:06
